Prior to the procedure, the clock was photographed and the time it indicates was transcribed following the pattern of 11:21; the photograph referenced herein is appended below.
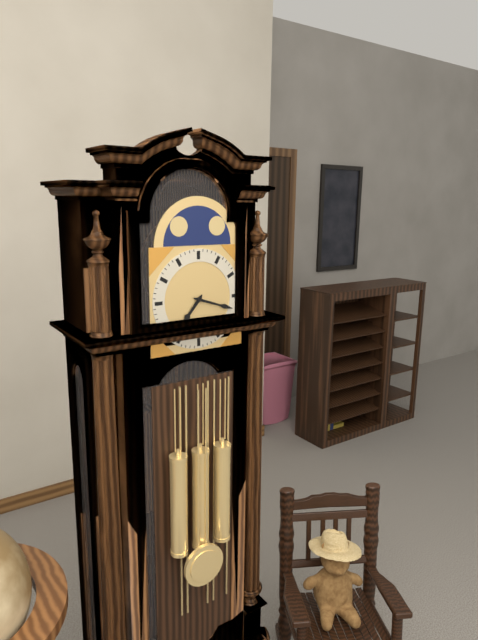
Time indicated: 7:18
